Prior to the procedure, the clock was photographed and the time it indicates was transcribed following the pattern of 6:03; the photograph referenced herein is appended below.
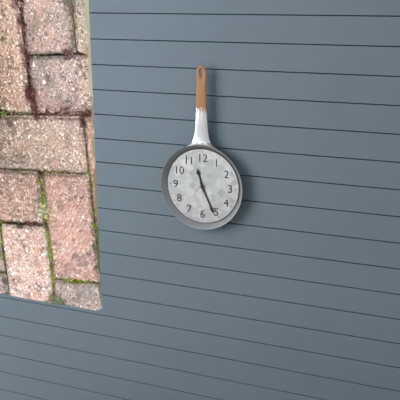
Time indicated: 11:26
